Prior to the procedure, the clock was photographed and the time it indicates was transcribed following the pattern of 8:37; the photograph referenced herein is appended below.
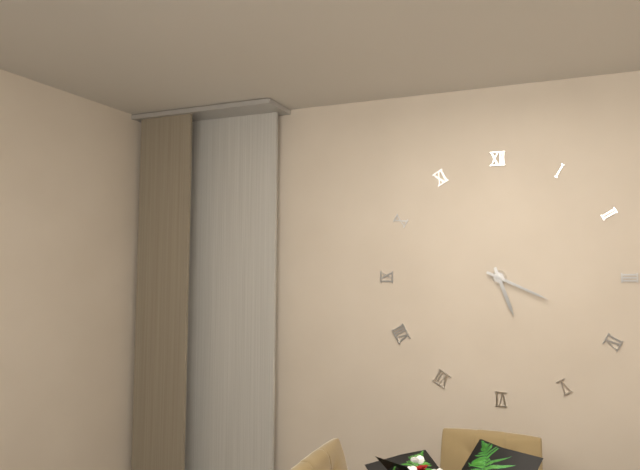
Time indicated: 5:19
